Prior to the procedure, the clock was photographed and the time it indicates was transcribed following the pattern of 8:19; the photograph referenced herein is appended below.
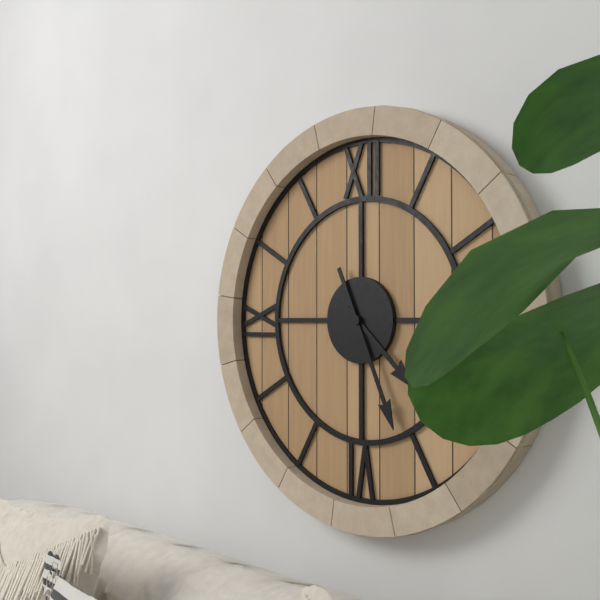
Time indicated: 4:26
